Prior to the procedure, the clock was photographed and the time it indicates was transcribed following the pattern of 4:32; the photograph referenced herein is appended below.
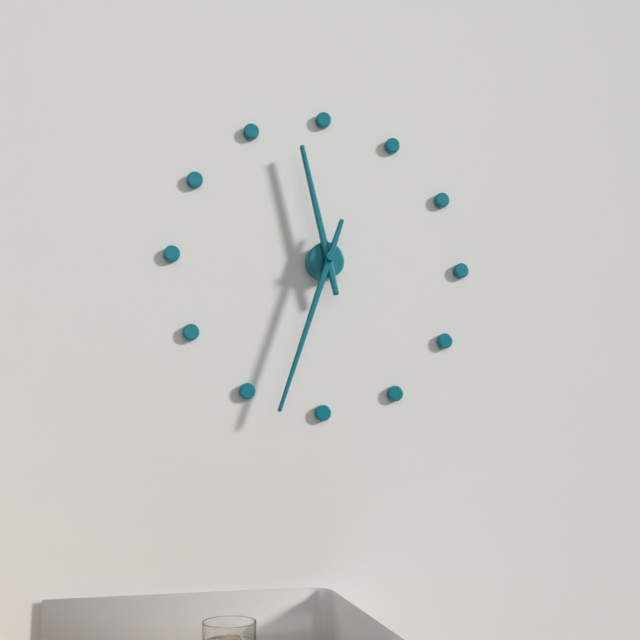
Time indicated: 11:33
